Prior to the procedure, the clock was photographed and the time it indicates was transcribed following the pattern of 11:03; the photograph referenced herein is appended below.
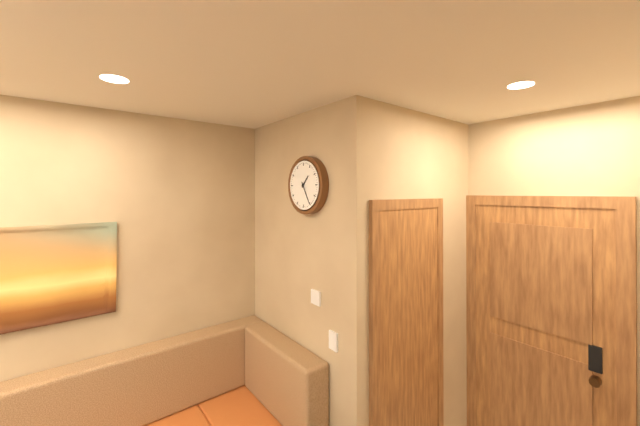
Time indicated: 1:25
